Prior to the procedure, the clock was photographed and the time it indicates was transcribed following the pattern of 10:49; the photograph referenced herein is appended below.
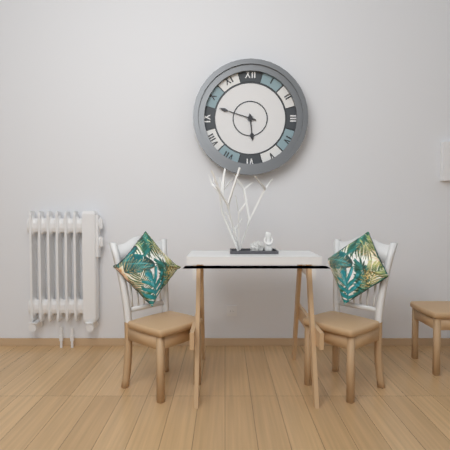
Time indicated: 5:48
